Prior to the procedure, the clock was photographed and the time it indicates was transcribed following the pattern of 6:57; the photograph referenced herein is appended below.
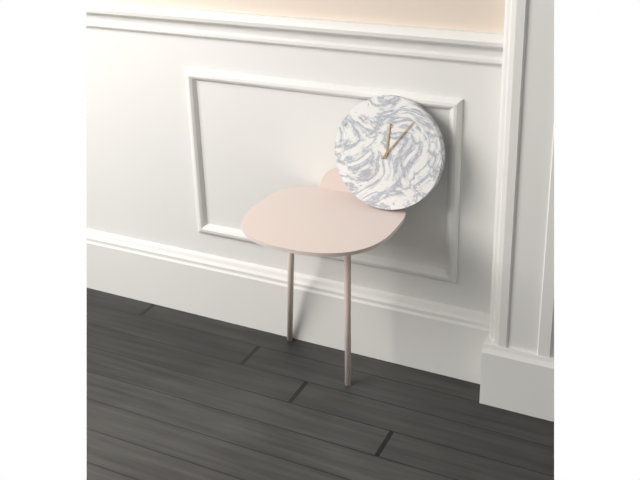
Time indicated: 12:06
